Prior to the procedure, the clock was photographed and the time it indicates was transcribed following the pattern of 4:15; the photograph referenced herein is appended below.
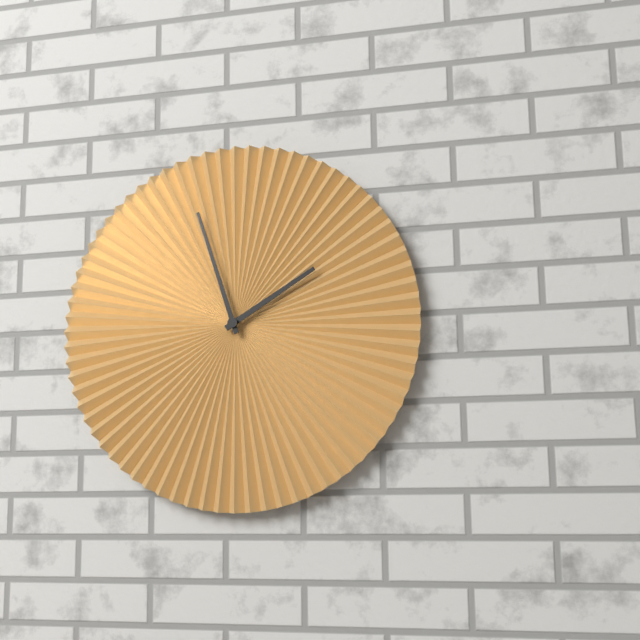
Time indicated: 1:57
